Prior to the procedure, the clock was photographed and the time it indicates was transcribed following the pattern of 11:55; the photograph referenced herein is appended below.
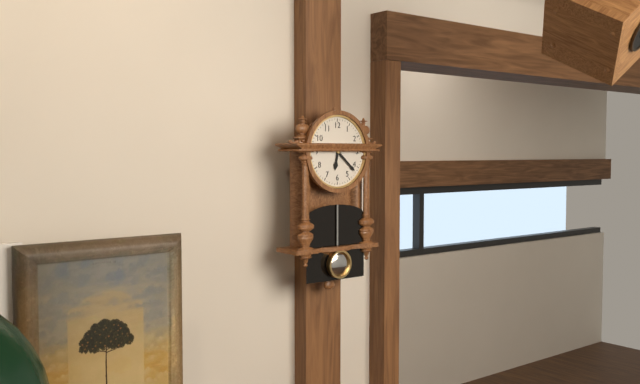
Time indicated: 6:22
